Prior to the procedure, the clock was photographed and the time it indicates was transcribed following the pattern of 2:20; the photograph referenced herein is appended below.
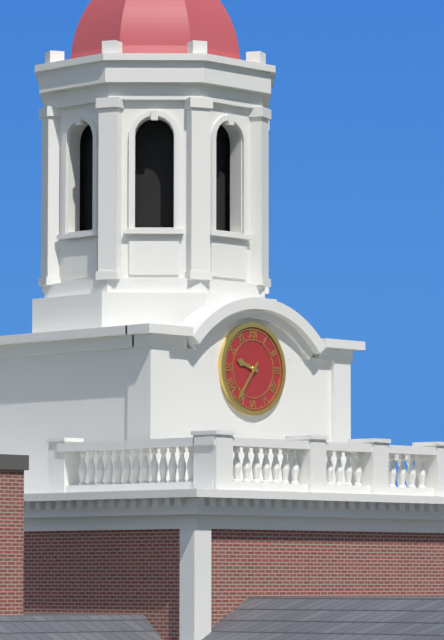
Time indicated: 9:36
